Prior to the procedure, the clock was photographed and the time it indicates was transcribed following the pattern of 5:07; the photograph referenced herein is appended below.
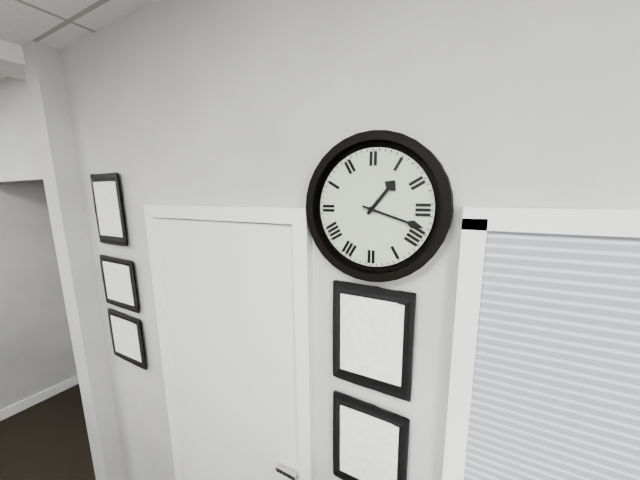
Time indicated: 1:18
